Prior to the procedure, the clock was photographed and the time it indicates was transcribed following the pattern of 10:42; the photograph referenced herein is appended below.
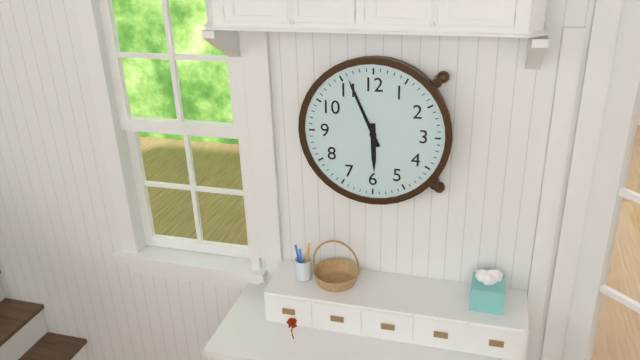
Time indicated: 5:56
